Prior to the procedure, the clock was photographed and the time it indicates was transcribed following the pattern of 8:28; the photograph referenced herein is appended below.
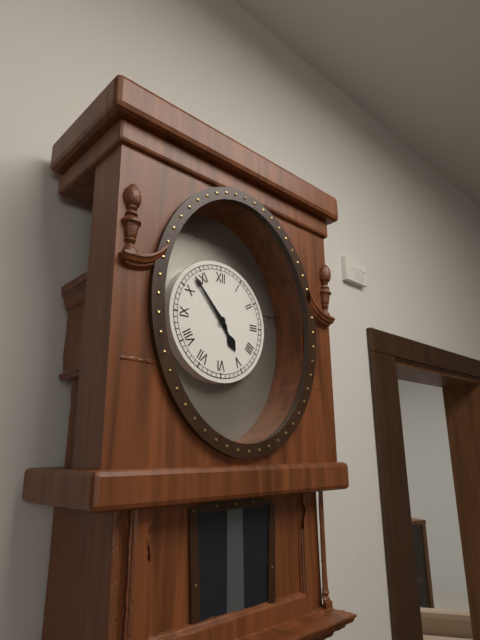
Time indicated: 4:53
